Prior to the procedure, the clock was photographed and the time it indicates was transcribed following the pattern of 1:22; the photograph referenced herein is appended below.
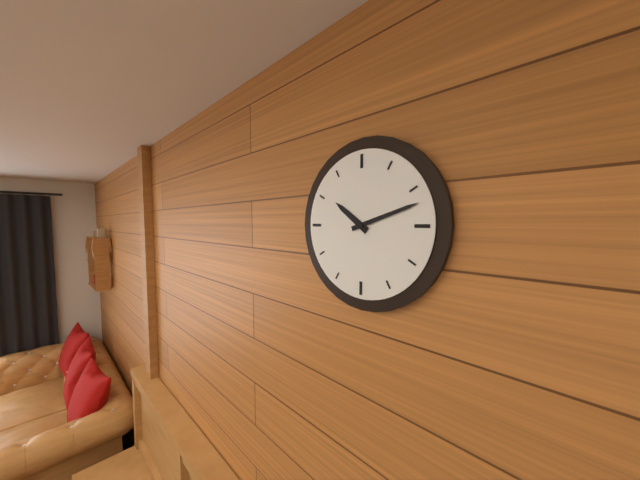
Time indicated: 10:12
